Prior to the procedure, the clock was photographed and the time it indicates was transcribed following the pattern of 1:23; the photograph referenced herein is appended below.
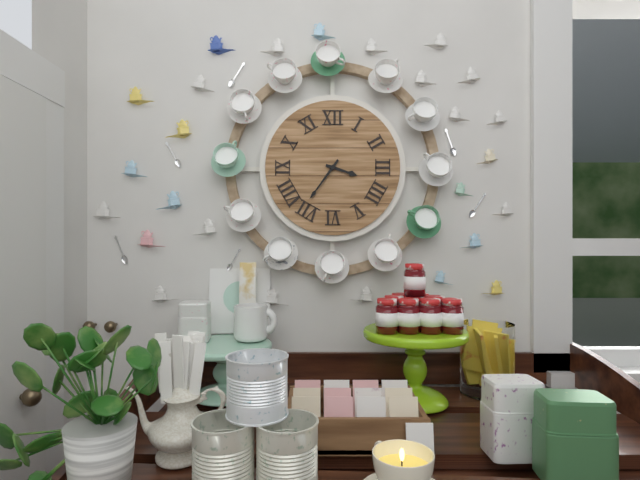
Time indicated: 3:36
